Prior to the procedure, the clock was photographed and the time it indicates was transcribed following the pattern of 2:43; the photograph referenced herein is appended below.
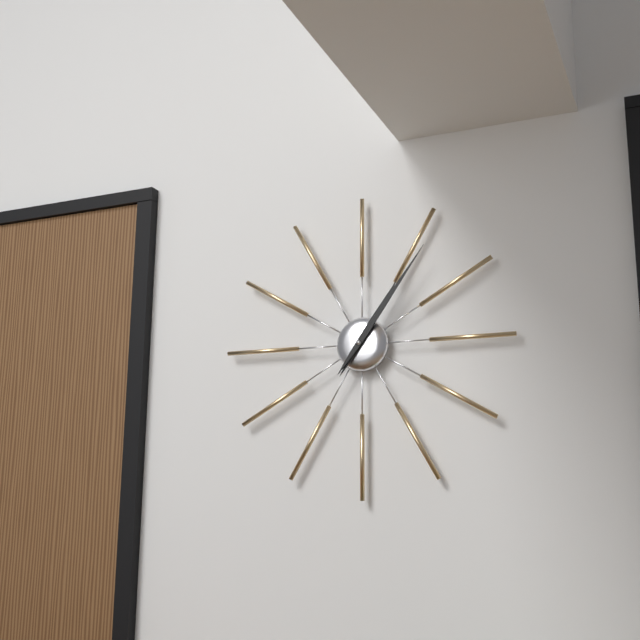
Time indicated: 1:06
